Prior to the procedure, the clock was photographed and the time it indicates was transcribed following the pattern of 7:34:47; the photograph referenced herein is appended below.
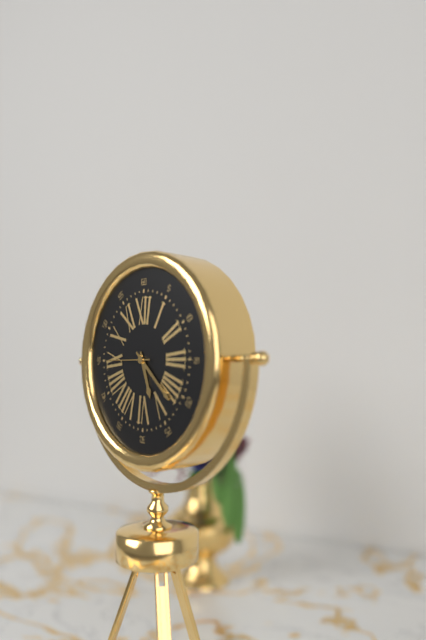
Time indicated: 5:22:45
